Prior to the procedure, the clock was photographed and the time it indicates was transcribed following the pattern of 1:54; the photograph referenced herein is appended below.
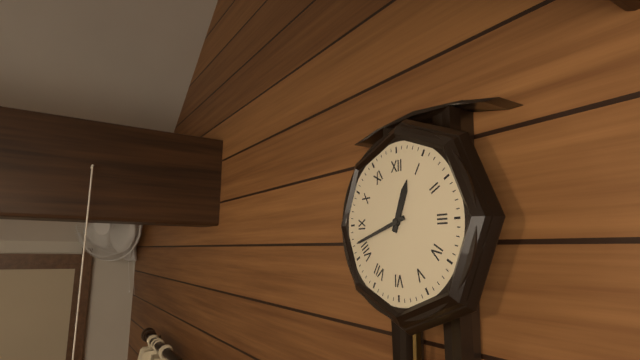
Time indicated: 12:42
